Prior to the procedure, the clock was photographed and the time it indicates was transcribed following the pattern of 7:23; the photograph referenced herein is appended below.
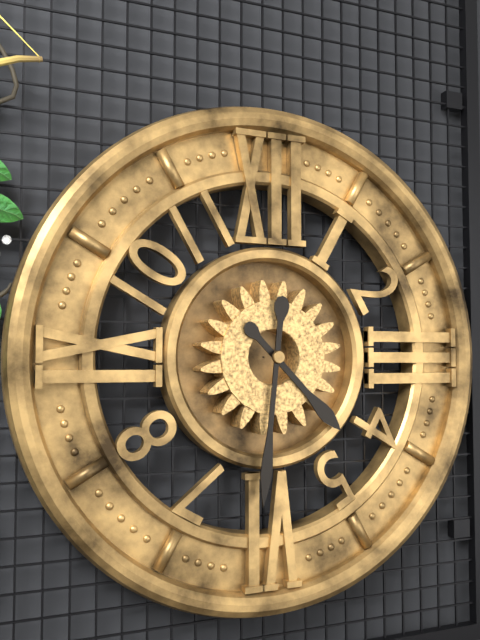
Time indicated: 4:31
